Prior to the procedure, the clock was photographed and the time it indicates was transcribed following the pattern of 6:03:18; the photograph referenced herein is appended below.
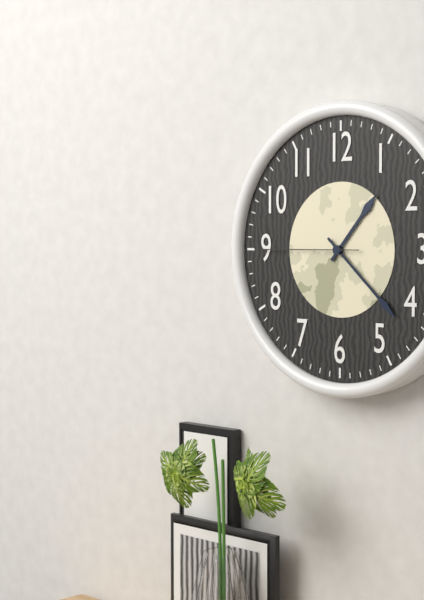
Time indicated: 1:22:45
